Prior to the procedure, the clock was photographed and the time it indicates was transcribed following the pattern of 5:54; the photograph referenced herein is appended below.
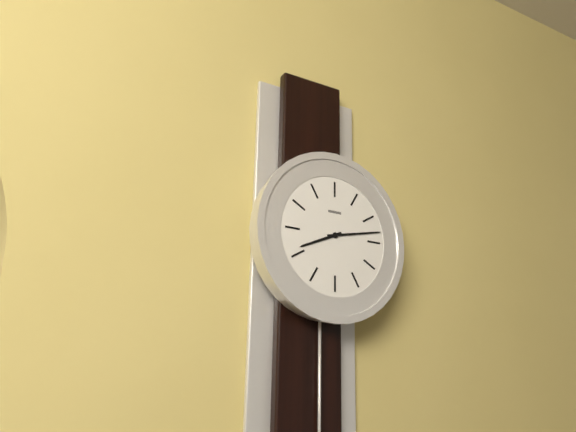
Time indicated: 8:13
